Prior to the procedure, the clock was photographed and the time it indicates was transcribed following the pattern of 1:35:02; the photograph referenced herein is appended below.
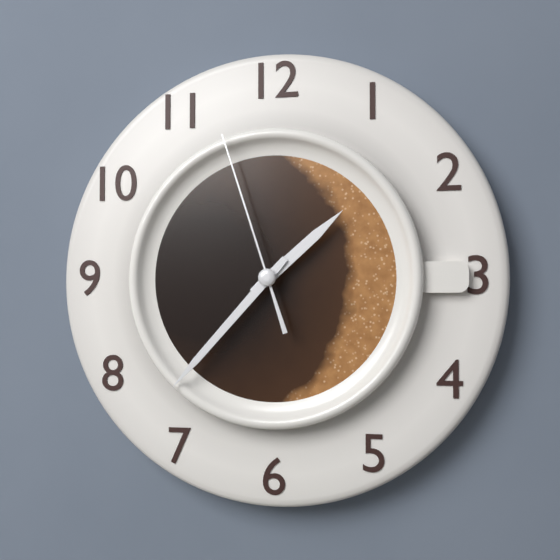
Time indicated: 1:37:57
